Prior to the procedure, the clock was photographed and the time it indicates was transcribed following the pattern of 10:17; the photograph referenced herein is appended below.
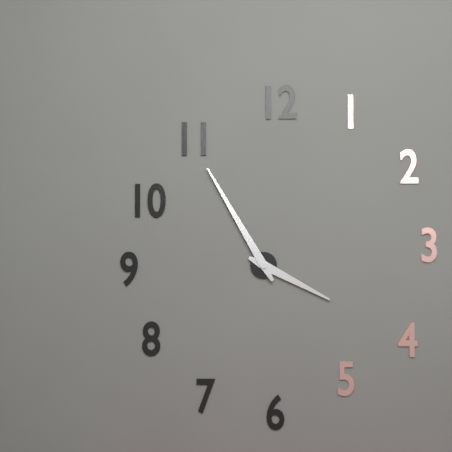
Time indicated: 3:55
